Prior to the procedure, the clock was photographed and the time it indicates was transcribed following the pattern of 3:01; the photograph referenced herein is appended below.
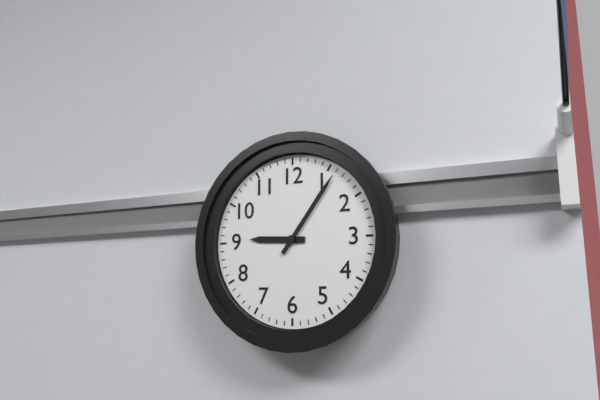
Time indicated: 9:06
